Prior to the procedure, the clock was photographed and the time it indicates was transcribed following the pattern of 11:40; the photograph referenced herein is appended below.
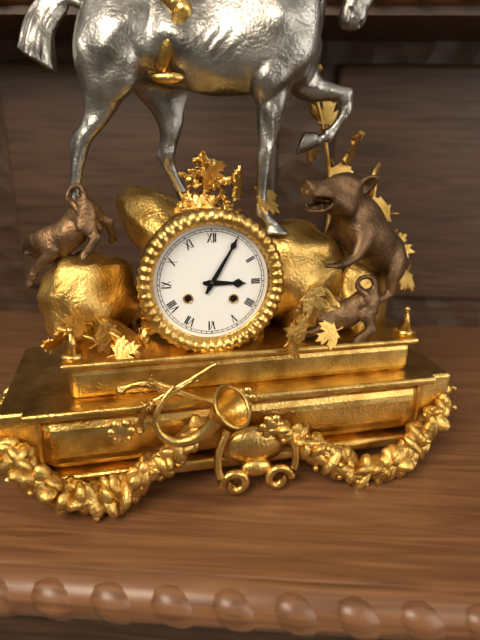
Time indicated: 3:05
